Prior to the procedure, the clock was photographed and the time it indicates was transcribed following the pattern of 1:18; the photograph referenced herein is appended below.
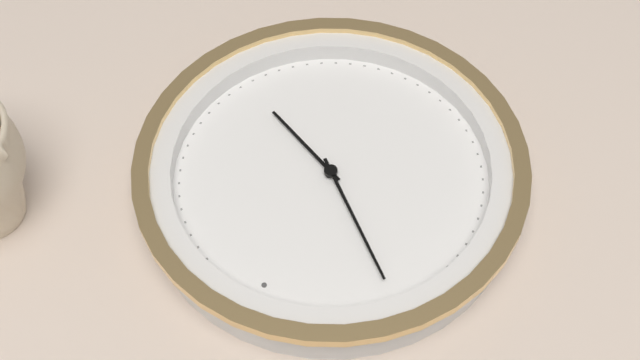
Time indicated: 3:52
